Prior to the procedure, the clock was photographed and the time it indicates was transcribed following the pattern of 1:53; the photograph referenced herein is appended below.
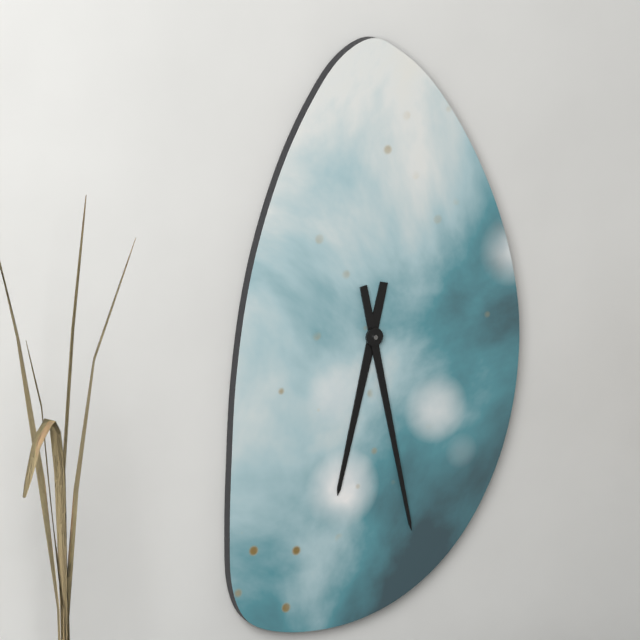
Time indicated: 6:28
